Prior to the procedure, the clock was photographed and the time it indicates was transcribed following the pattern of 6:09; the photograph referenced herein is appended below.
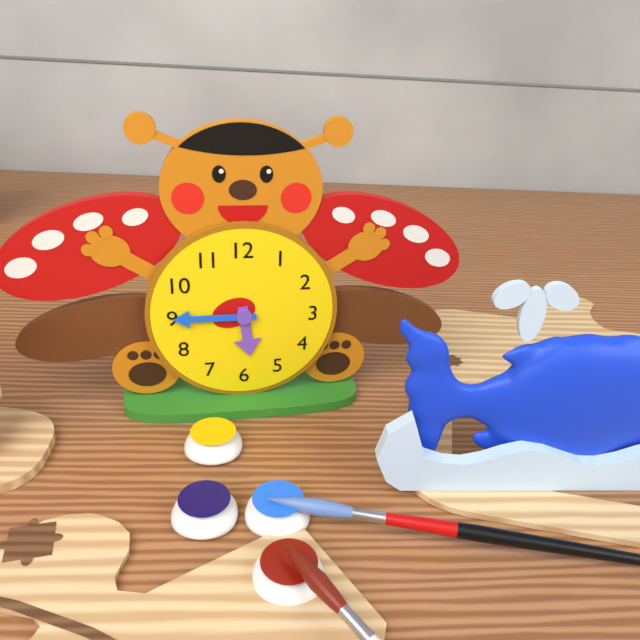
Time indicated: 5:45
